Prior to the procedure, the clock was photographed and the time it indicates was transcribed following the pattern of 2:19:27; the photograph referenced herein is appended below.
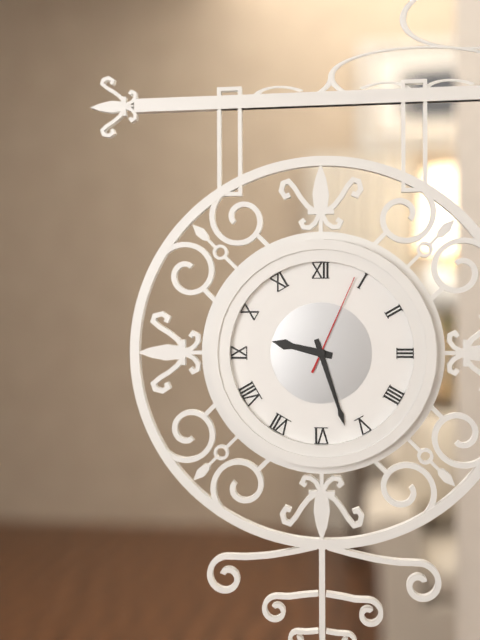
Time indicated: 9:27:04
